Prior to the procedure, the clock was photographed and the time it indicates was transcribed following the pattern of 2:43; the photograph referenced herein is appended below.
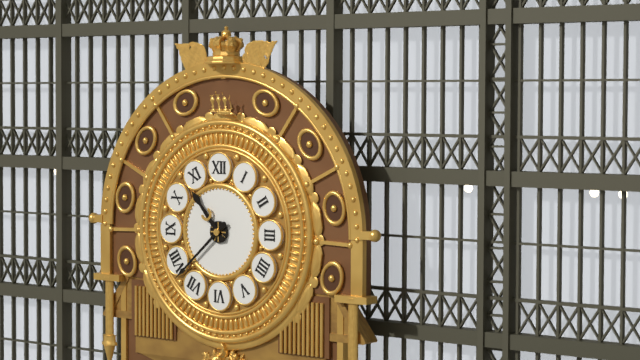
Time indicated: 10:38
